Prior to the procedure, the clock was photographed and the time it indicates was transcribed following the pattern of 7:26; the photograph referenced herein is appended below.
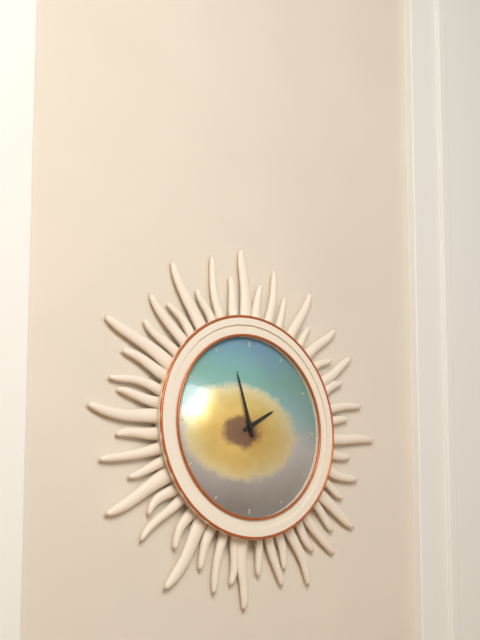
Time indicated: 1:57
